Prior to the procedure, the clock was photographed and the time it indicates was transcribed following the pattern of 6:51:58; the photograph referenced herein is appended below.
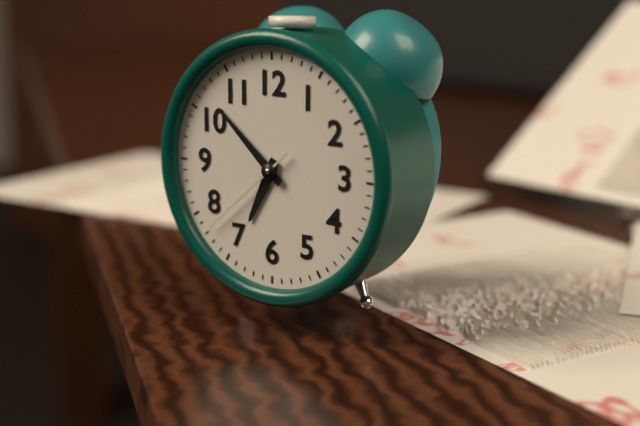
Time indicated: 6:52:38
